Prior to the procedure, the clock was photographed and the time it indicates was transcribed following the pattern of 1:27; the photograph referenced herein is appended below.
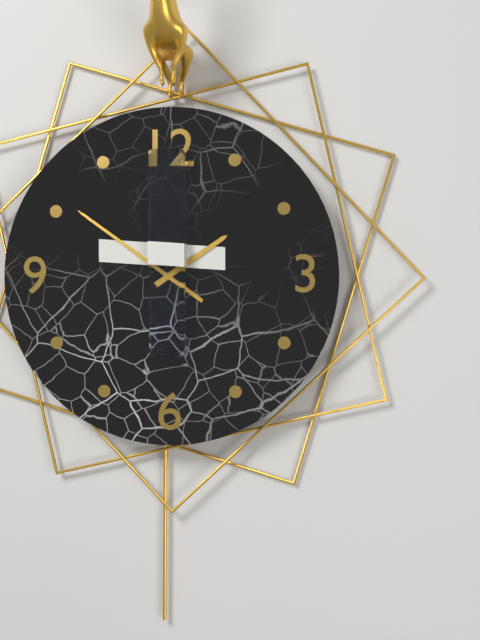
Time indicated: 1:51
